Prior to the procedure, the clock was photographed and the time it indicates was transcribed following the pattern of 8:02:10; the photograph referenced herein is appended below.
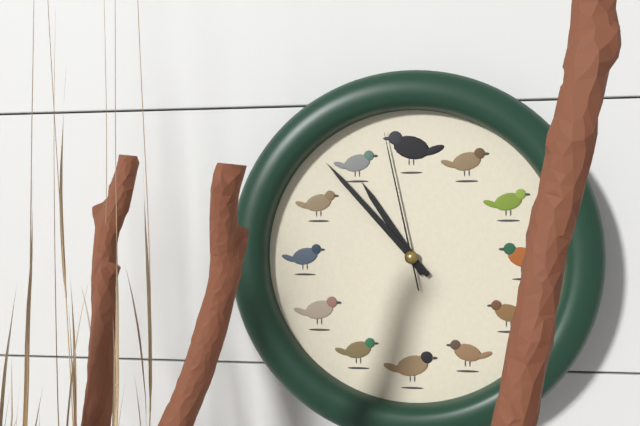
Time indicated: 10:53:58
